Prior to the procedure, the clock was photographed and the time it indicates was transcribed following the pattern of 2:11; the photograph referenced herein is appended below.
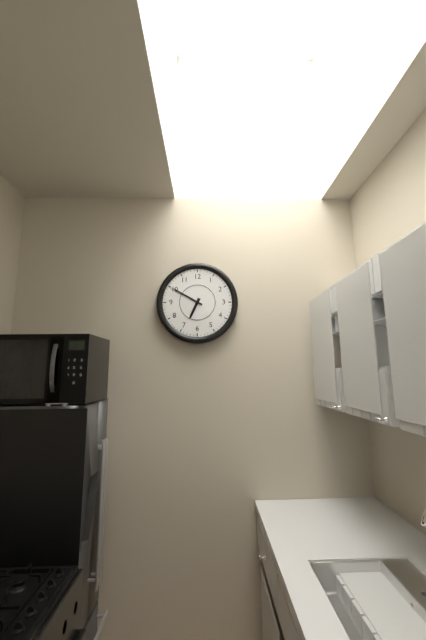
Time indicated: 6:50
